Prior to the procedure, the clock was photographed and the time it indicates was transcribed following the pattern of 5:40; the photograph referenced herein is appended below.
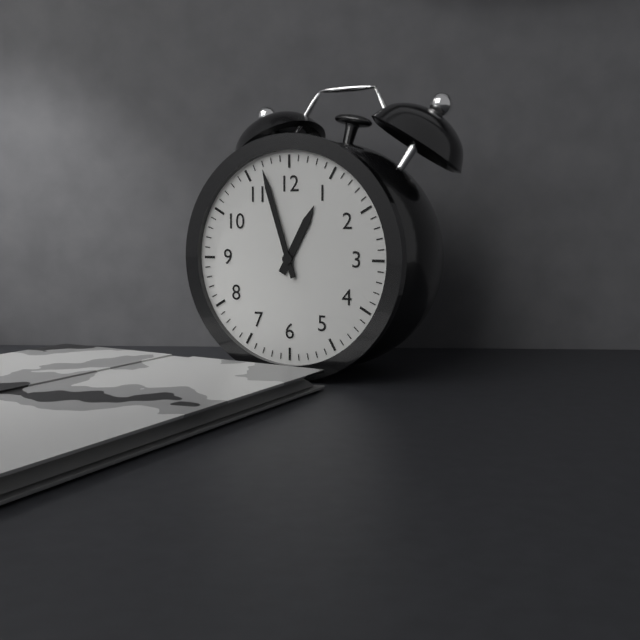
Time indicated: 12:57
